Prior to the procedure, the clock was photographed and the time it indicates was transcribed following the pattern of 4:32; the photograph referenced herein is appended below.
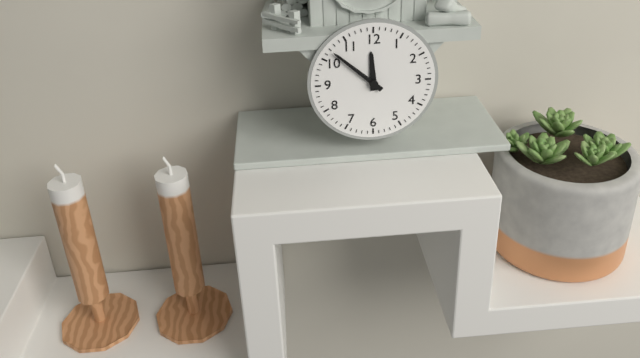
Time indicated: 11:52
